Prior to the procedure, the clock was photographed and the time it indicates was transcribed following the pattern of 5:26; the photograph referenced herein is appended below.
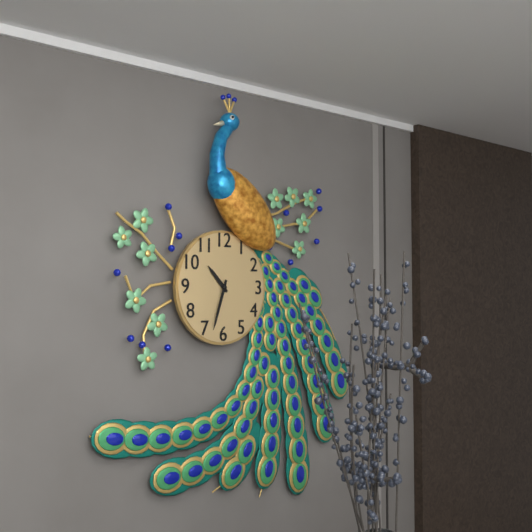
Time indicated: 10:33
